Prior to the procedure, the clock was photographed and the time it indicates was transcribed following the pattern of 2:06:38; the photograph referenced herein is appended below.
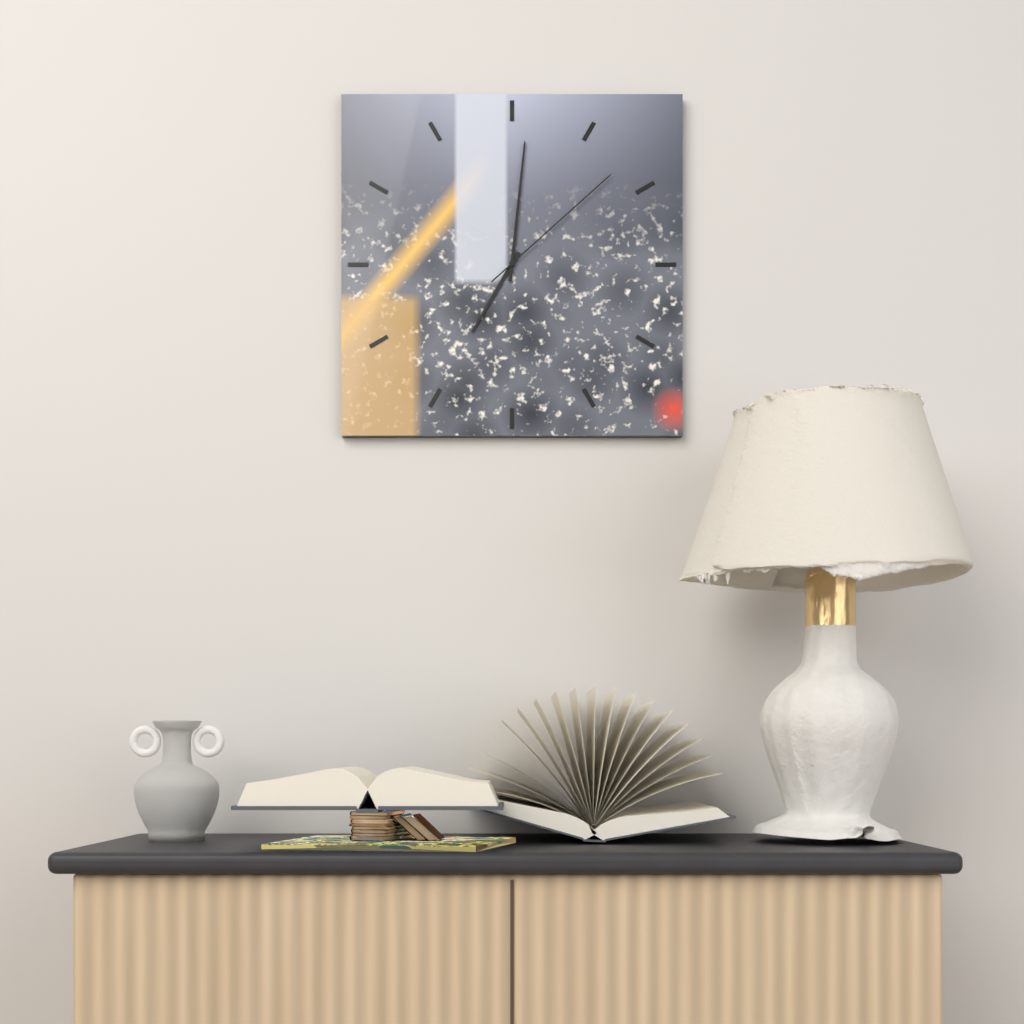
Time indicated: 7:01:08
